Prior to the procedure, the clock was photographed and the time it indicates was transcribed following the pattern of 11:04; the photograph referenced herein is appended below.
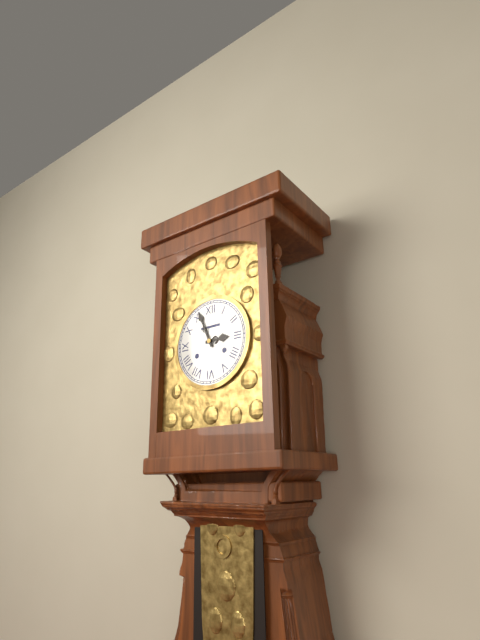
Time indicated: 2:56
